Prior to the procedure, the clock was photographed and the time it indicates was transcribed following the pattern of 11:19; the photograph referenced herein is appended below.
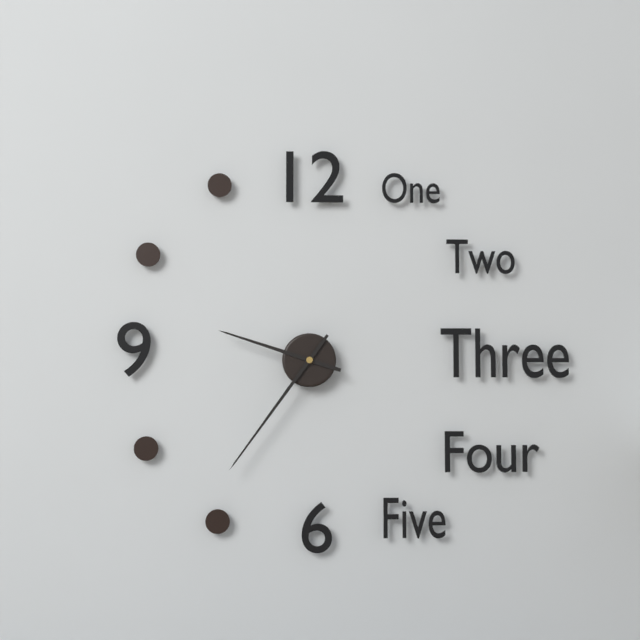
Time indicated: 9:36
